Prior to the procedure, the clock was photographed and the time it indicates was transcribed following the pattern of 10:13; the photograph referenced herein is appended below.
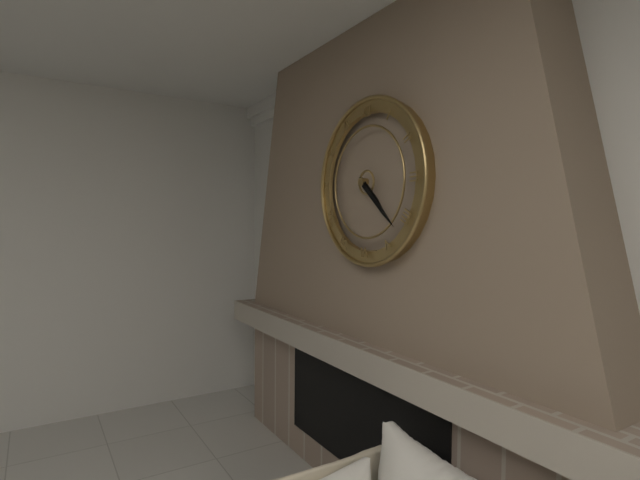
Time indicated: 4:22
